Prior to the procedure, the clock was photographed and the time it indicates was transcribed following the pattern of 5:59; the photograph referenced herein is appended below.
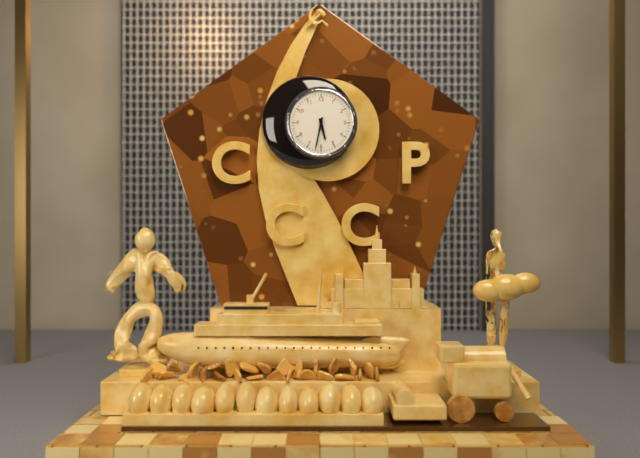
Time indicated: 5:32
